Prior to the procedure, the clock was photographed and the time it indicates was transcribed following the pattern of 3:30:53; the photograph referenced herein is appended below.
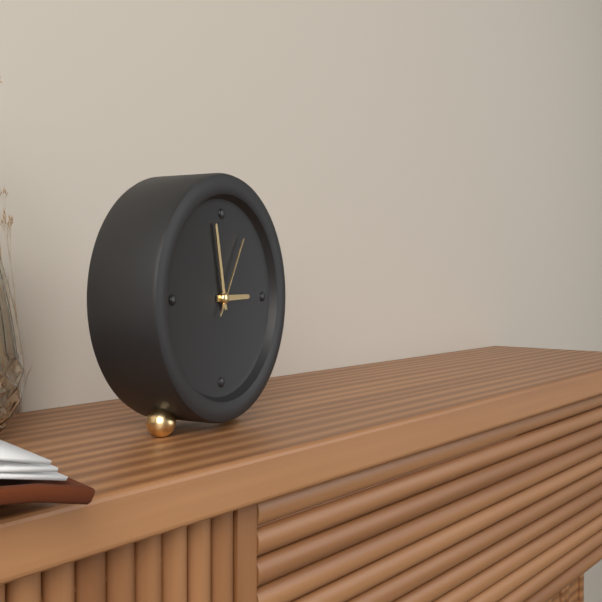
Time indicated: 2:58:05
